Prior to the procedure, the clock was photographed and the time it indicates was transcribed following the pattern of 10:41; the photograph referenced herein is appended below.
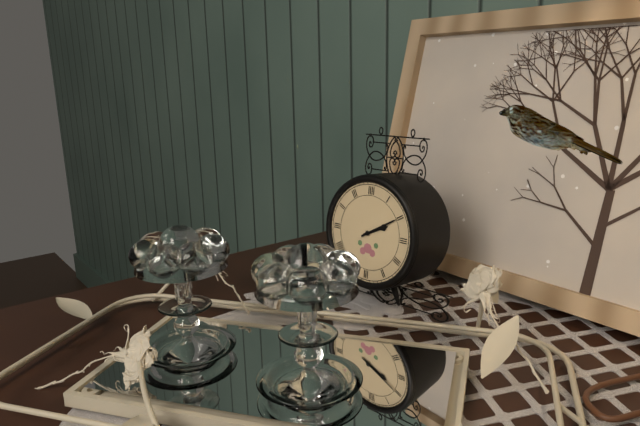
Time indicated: 2:10
